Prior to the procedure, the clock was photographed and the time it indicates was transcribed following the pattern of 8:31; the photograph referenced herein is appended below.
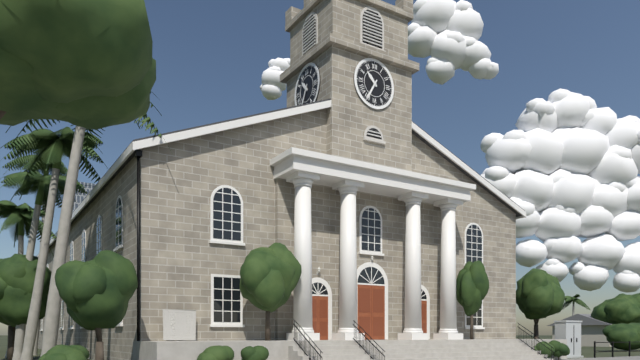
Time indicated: 10:35
